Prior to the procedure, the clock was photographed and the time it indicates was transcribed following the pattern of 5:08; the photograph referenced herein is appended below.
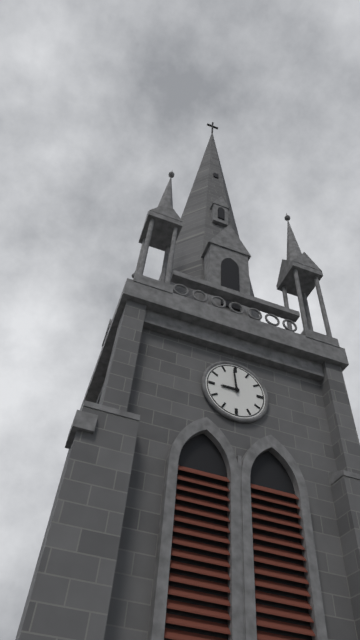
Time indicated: 8:59
